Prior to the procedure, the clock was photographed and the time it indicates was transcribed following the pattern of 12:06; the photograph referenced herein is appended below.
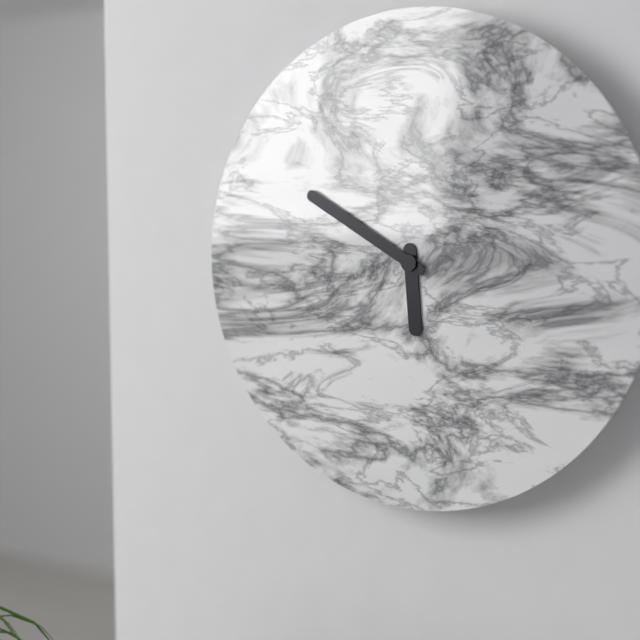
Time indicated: 5:50
